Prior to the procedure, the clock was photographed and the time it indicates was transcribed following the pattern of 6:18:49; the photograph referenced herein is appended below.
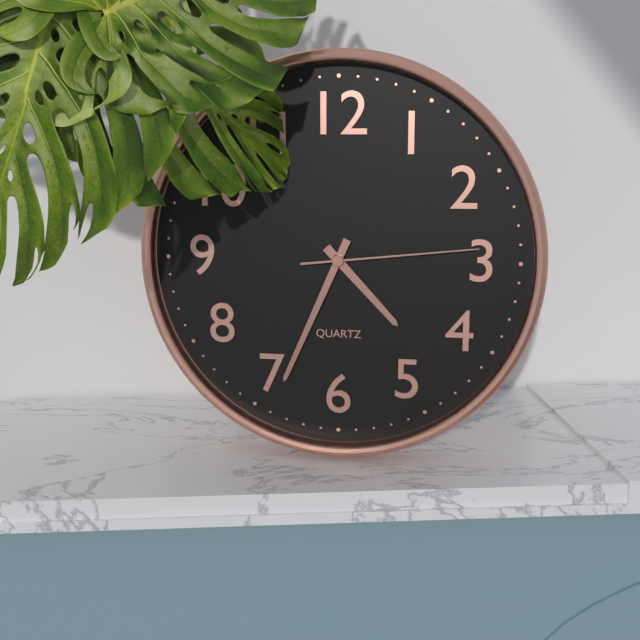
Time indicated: 4:34:14
